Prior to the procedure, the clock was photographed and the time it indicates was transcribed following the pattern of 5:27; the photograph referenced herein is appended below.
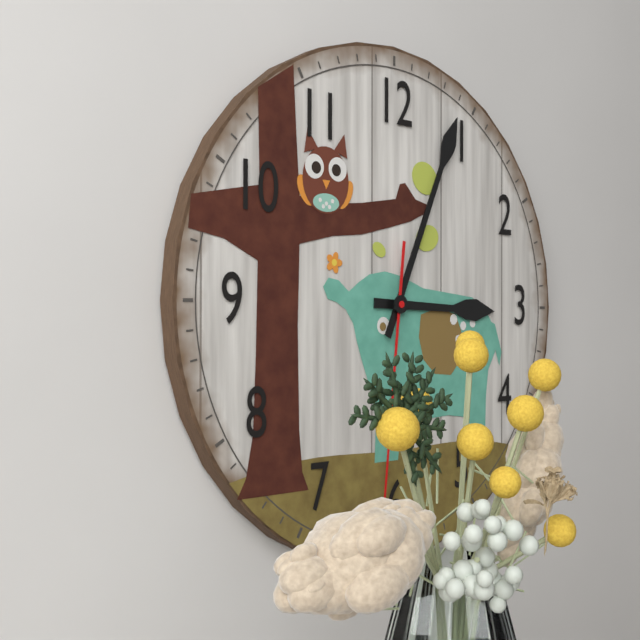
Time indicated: 3:04
